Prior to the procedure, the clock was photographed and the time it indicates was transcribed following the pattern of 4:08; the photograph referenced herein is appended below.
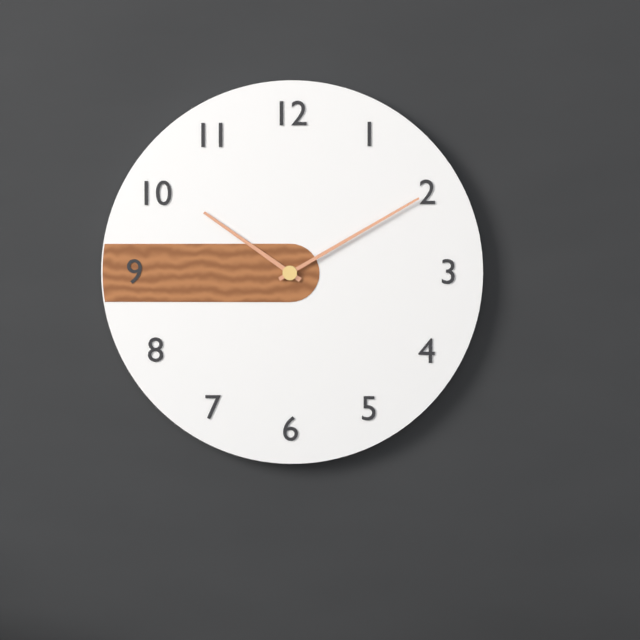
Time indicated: 10:10
